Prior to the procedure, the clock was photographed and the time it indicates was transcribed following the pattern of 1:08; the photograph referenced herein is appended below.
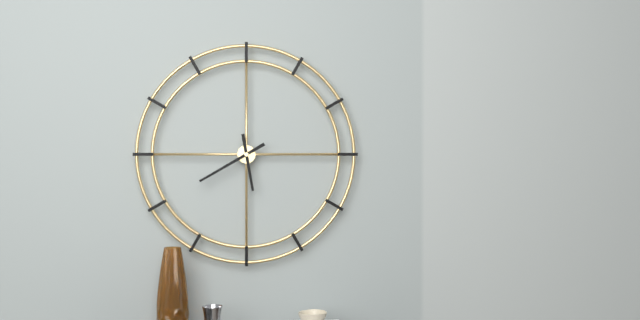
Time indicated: 5:40
